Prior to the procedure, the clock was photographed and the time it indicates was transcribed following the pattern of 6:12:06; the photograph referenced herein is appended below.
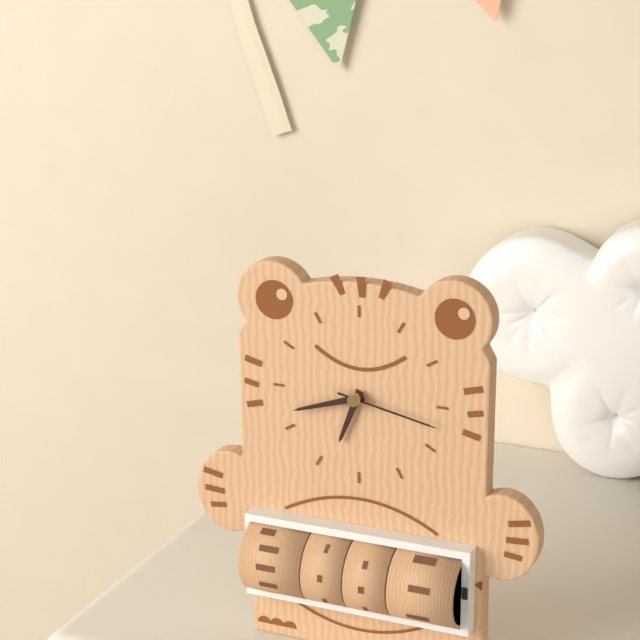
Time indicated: 6:42:17
